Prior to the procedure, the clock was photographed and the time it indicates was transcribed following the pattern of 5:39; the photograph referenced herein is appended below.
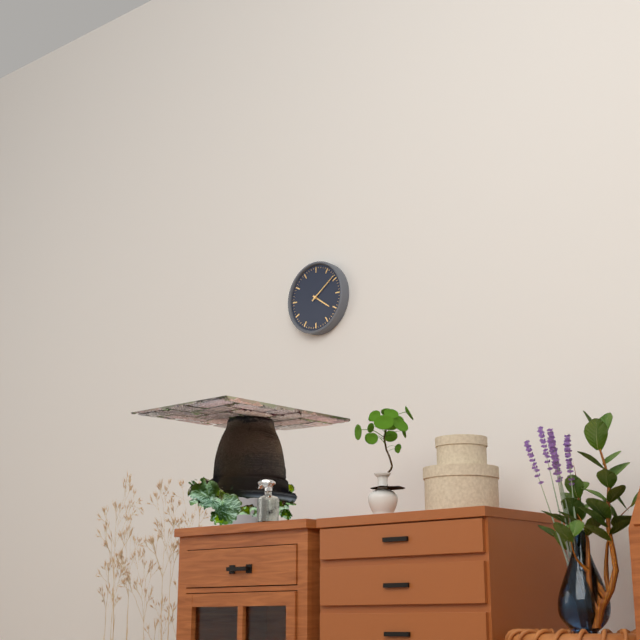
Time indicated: 4:09
